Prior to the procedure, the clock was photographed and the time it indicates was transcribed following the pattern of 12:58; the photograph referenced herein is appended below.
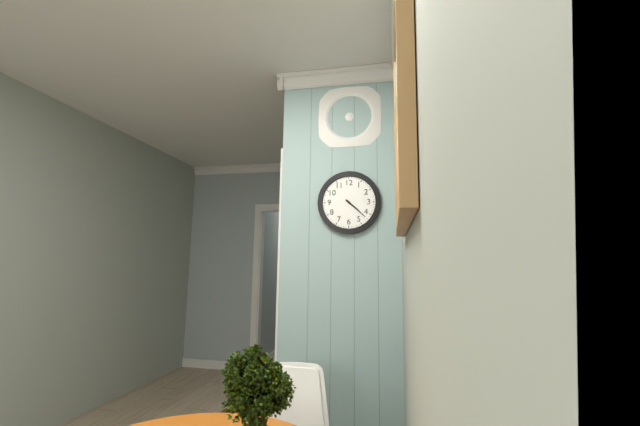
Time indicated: 4:22
